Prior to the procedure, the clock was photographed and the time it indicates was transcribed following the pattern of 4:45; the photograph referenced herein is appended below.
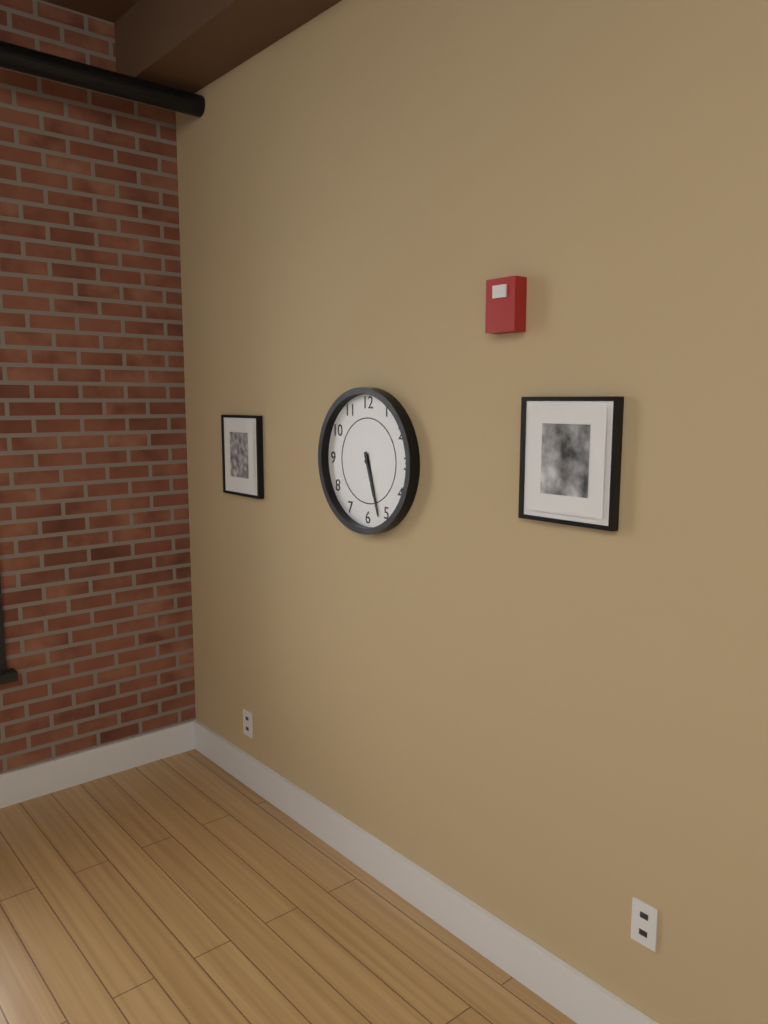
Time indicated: 5:27
